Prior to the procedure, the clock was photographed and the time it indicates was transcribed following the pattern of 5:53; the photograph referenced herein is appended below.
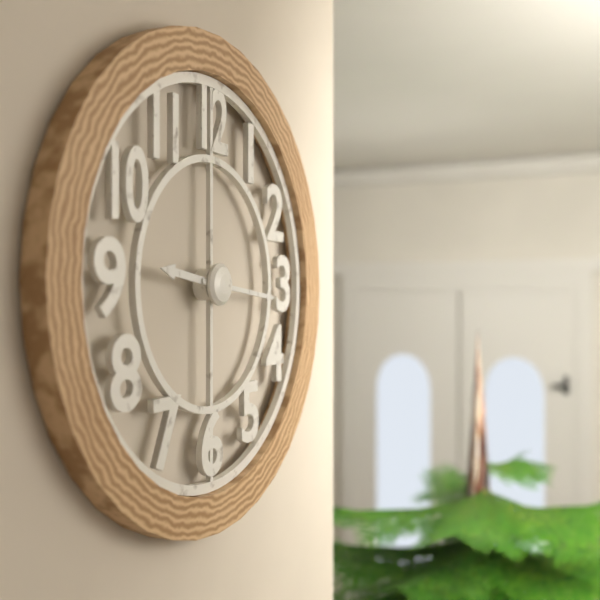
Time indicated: 9:16
